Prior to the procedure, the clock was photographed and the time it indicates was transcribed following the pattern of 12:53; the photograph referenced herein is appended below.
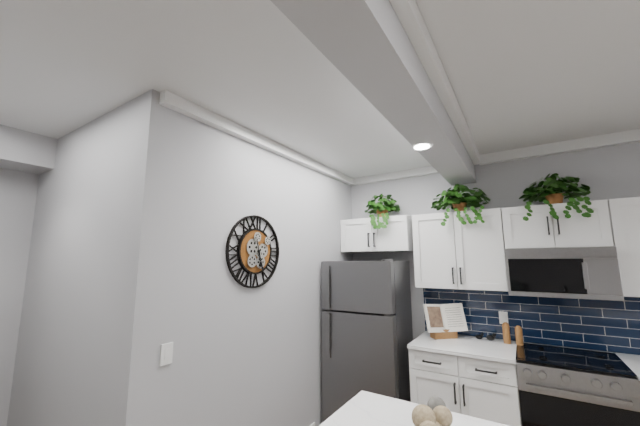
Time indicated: 5:27
